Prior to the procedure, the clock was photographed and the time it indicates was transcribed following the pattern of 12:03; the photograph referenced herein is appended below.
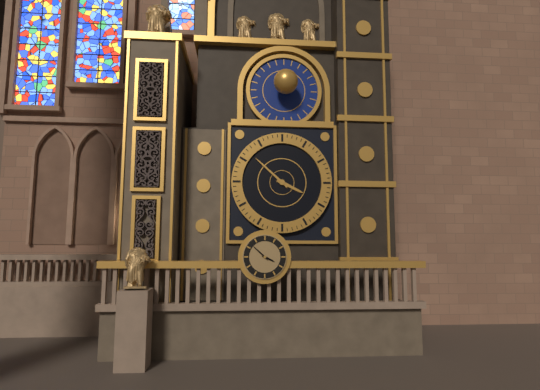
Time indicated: 3:52
